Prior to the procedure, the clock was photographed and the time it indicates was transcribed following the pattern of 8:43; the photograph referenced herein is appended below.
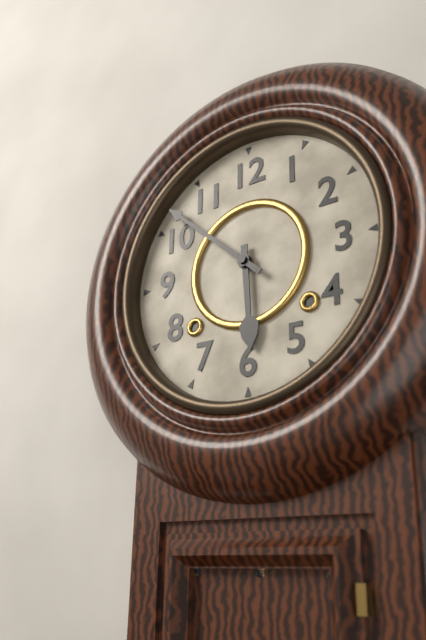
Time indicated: 5:52
